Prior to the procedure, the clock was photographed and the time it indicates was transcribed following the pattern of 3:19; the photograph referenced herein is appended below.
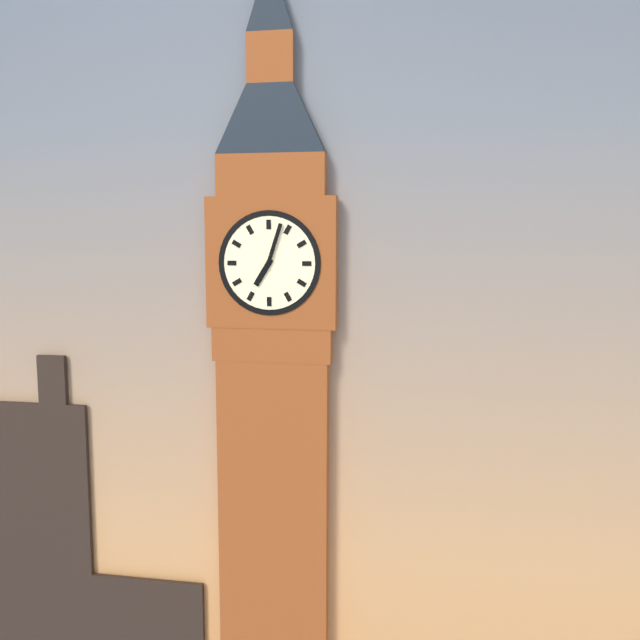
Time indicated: 7:03
